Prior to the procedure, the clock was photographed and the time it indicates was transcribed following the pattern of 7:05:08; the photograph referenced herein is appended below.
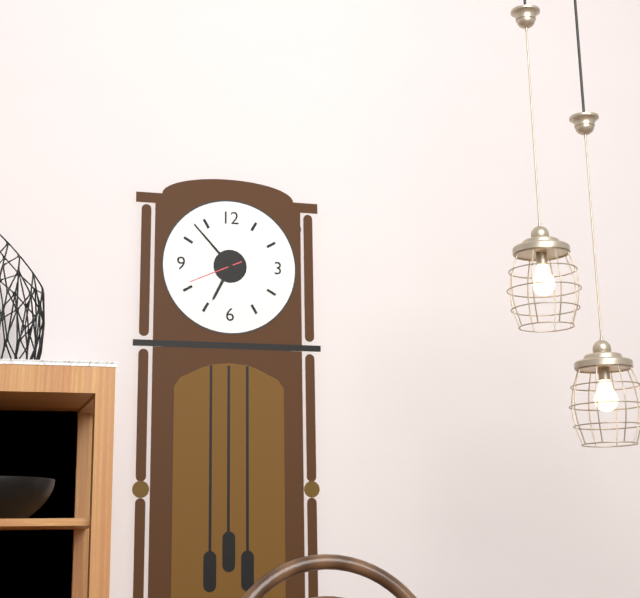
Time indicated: 6:53:41
